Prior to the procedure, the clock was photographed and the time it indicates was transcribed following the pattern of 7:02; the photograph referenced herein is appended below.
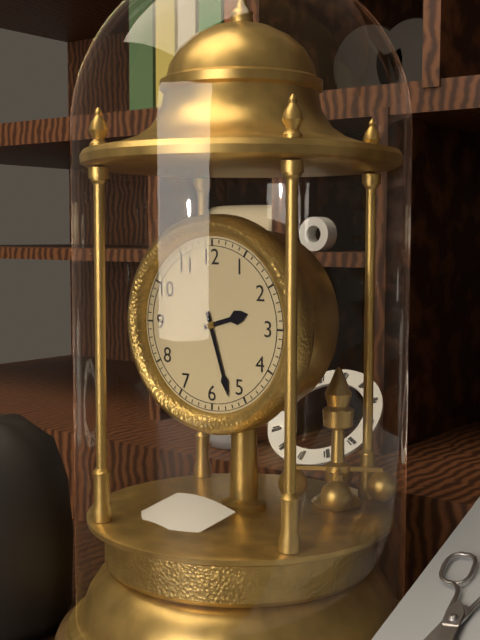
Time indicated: 2:27
